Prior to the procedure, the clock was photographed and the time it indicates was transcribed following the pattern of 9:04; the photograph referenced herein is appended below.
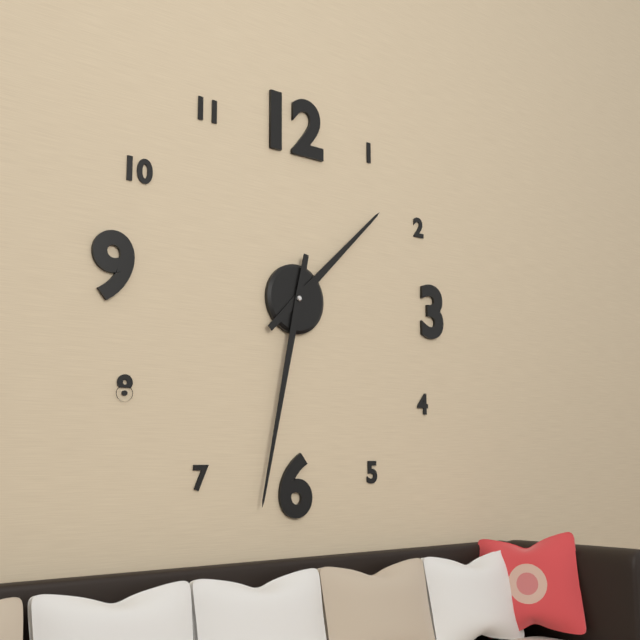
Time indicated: 1:32
